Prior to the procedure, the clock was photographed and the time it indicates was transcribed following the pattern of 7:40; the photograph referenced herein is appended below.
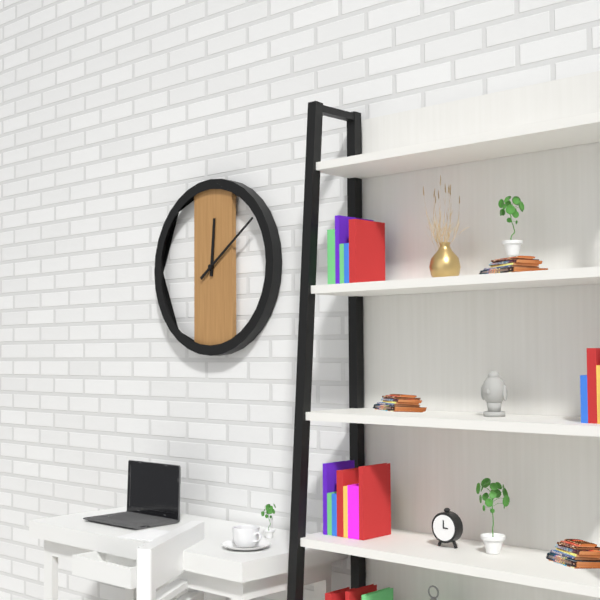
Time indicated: 12:09
